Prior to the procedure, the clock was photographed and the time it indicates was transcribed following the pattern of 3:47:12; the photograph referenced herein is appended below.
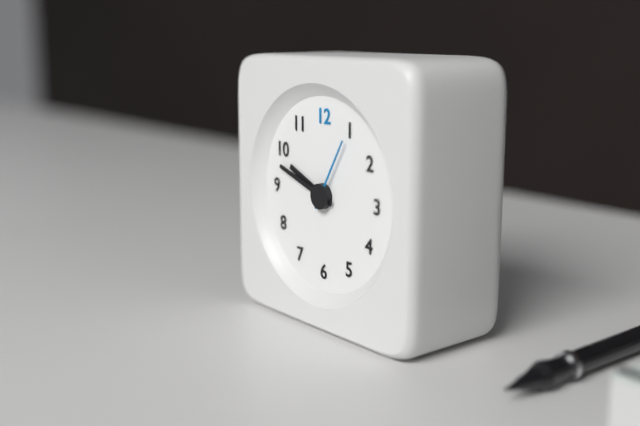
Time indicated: 9:48:05
